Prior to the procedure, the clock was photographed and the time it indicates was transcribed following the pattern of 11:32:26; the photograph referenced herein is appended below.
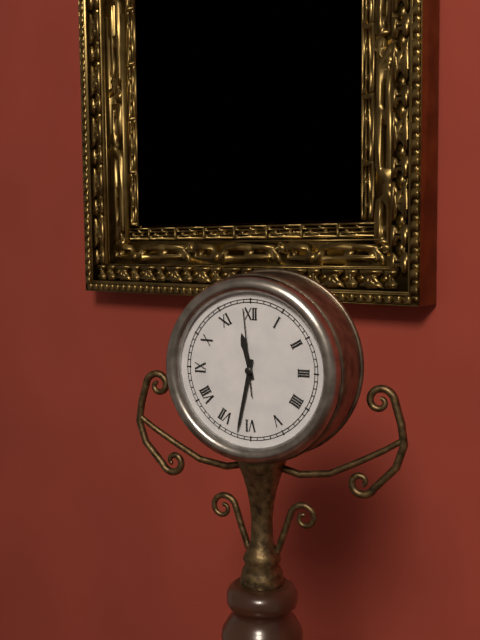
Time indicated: 11:32:59
